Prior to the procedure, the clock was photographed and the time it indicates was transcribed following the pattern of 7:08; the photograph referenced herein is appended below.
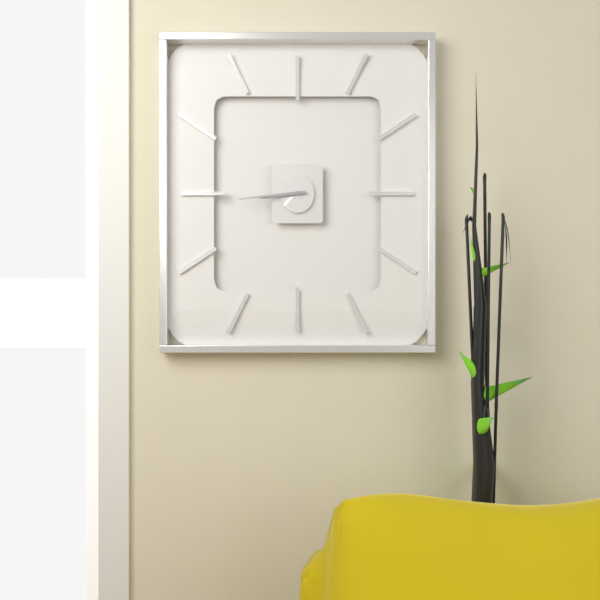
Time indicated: 8:44
